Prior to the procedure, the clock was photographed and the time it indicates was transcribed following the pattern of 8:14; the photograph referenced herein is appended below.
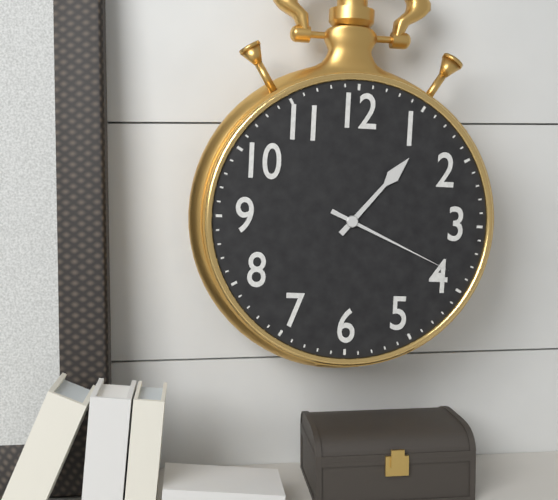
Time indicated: 1:19
